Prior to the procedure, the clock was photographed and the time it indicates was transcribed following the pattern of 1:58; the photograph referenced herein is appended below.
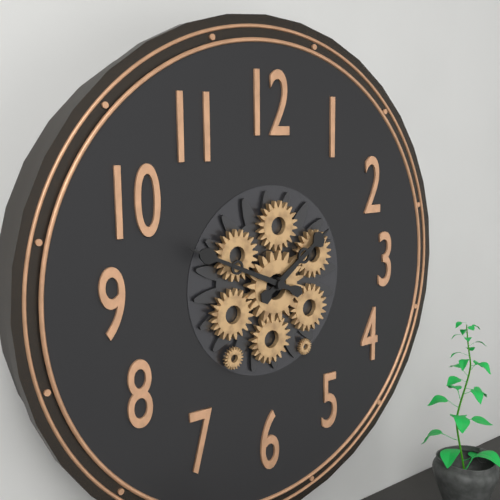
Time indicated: 1:49
